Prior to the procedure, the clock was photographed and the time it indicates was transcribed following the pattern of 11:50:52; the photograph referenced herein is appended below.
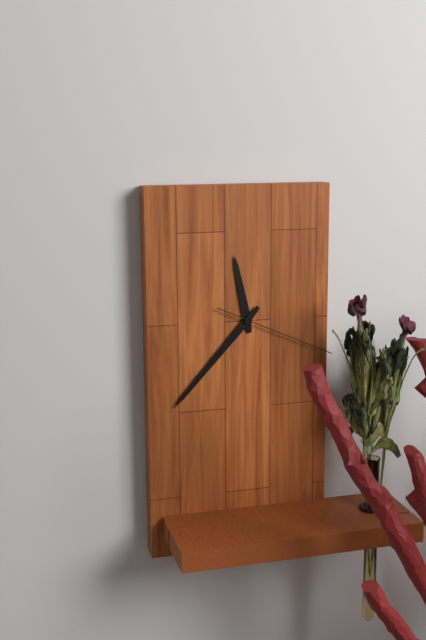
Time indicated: 11:37:19
